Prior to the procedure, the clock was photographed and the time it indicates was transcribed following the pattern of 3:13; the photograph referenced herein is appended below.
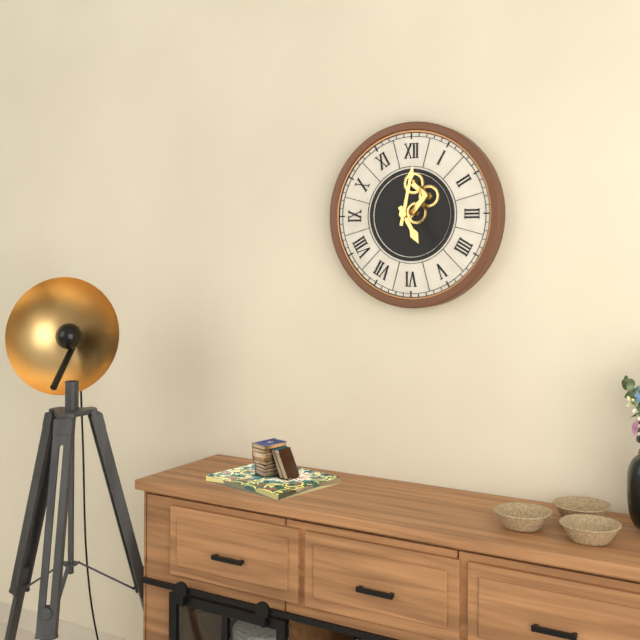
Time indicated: 5:02
